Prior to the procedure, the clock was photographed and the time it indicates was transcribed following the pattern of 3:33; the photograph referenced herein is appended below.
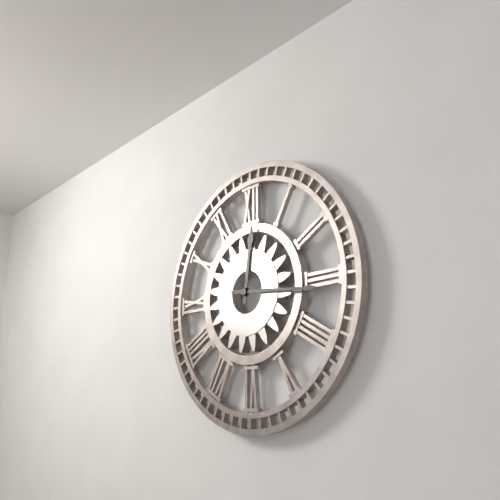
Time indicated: 12:16
